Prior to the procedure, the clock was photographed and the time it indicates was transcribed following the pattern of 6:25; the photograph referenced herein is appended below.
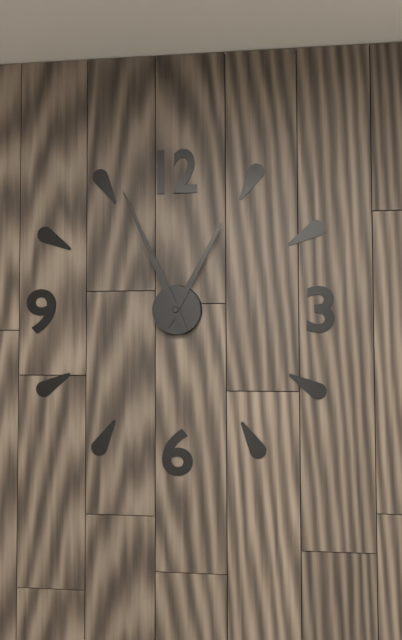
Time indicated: 12:56
